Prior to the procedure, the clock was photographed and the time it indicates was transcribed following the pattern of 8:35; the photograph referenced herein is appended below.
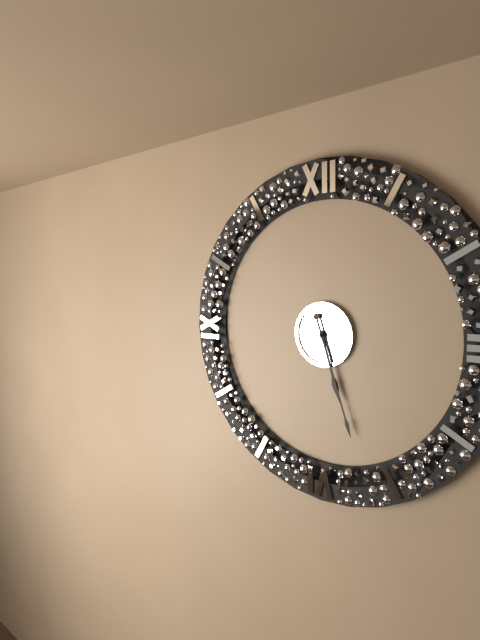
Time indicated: 5:27
